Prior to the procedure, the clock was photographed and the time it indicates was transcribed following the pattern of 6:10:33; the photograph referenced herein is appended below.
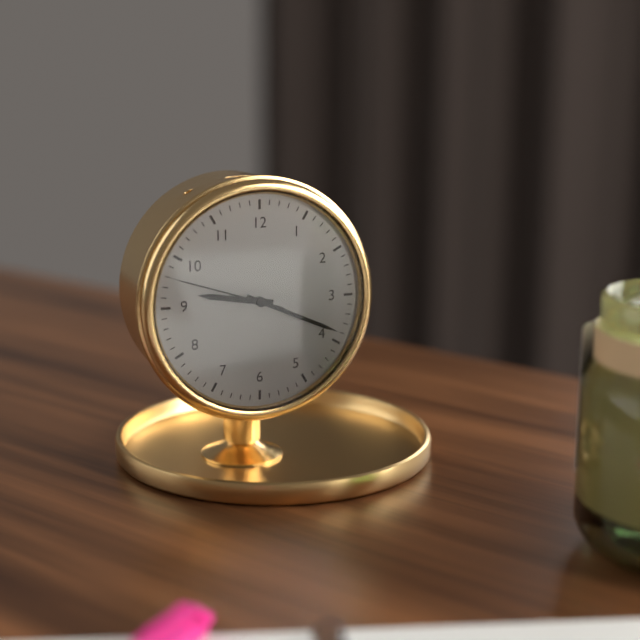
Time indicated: 9:19:48
